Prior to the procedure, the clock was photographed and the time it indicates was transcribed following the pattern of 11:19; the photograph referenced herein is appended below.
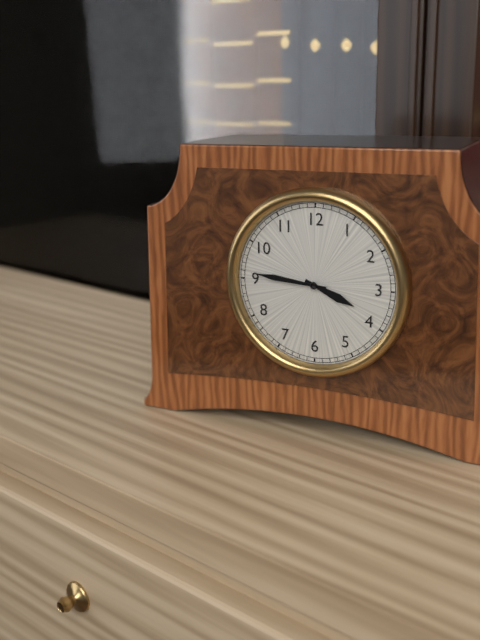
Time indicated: 3:46
